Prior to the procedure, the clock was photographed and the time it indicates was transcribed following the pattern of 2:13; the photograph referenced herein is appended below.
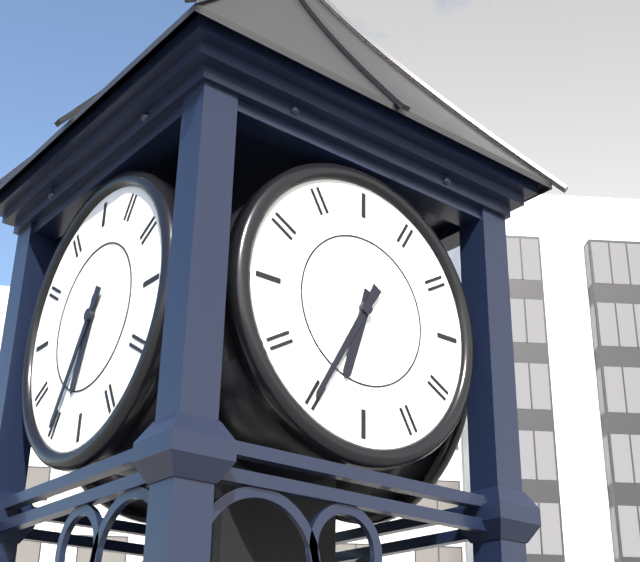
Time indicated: 6:35
